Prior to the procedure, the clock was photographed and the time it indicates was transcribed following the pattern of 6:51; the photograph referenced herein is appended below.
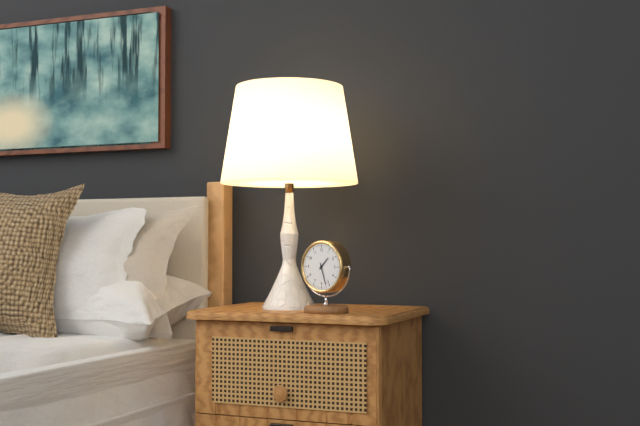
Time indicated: 1:27
